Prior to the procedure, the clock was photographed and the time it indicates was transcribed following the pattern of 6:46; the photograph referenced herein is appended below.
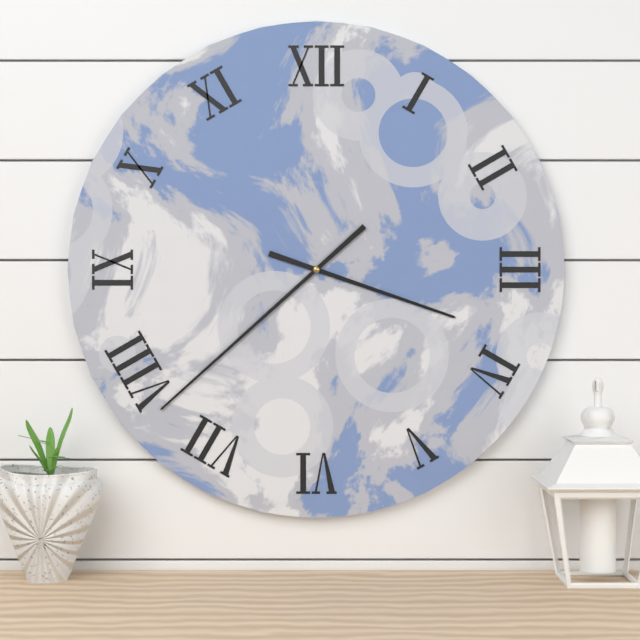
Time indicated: 3:38
